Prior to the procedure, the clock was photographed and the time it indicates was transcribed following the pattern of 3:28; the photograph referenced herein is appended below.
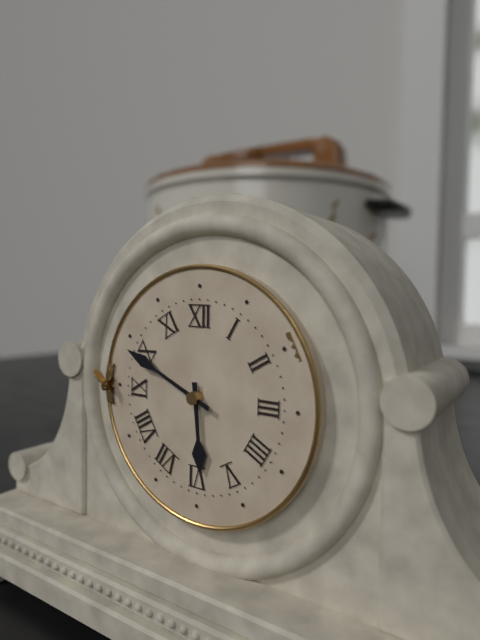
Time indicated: 5:49
